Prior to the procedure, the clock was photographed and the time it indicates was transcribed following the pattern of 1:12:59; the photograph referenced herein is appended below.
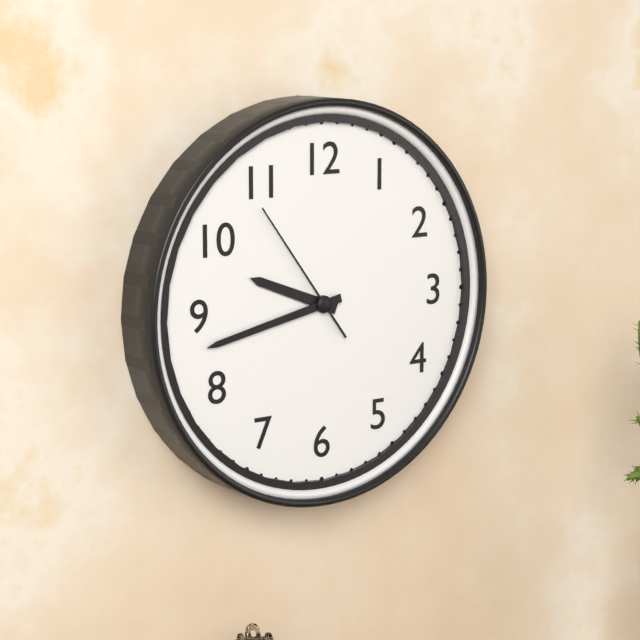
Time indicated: 9:43:54
